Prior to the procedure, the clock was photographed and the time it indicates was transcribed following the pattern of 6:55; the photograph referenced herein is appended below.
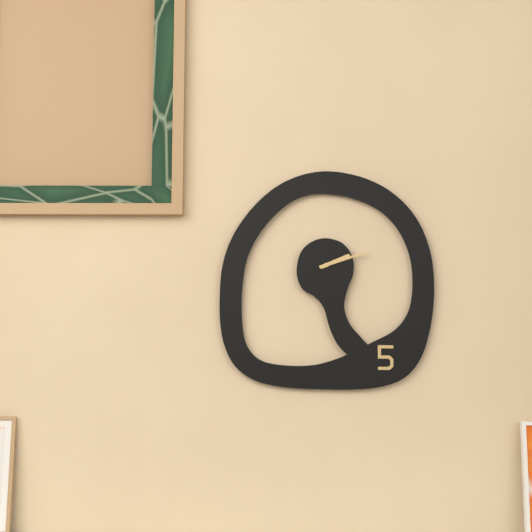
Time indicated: 2:12
